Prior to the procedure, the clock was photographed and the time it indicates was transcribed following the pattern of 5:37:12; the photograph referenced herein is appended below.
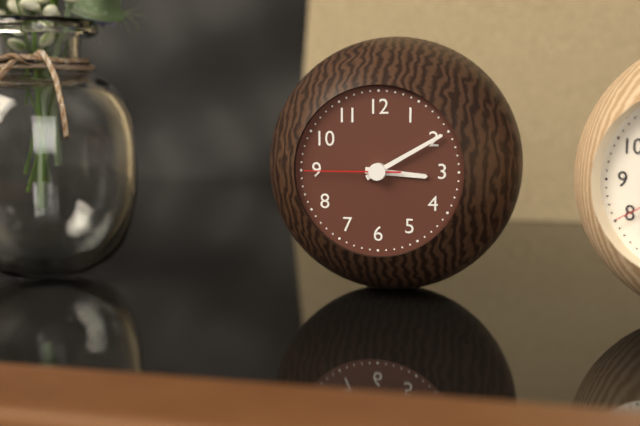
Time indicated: 3:10:45
